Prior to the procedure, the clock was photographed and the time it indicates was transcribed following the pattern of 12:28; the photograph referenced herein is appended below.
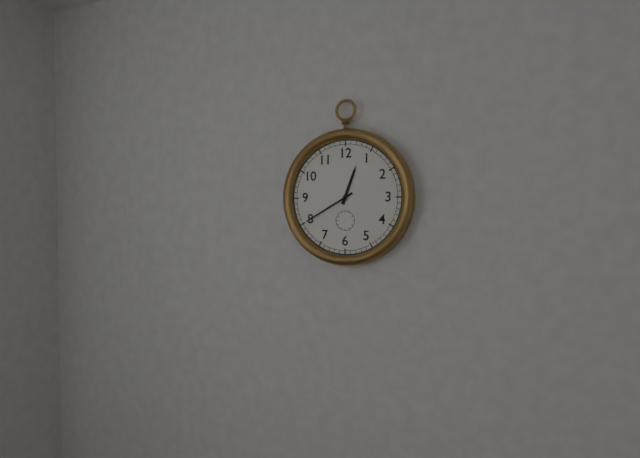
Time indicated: 12:40
